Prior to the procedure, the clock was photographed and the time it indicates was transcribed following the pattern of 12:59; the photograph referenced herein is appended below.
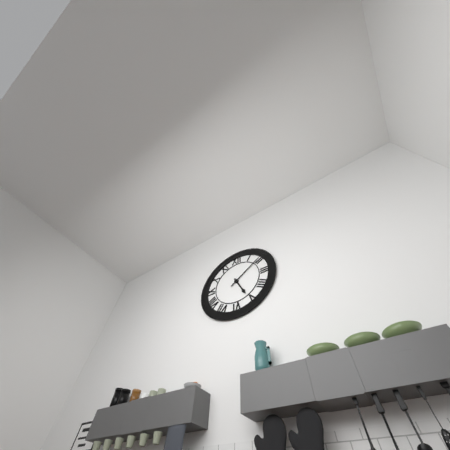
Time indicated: 5:09
